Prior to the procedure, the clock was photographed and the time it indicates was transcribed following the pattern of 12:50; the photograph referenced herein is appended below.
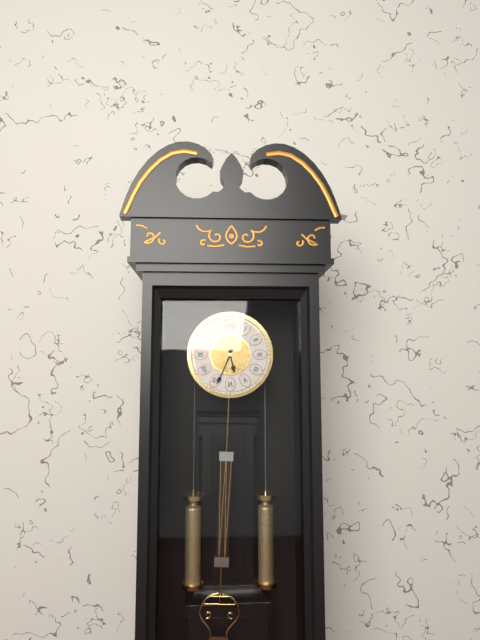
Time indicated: 5:34
